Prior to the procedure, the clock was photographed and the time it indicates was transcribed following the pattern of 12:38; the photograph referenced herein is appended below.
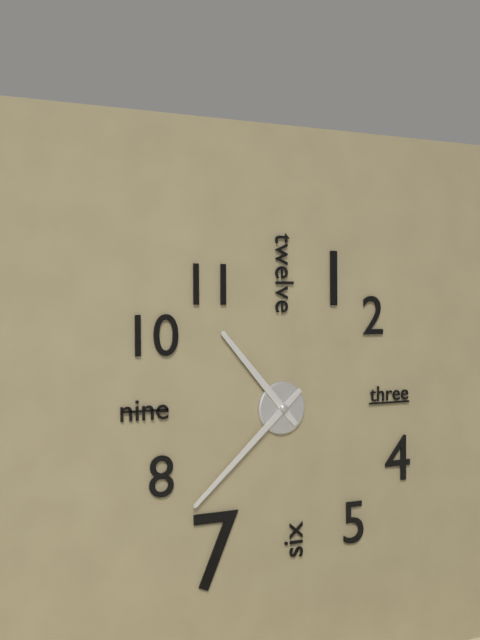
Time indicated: 10:38
